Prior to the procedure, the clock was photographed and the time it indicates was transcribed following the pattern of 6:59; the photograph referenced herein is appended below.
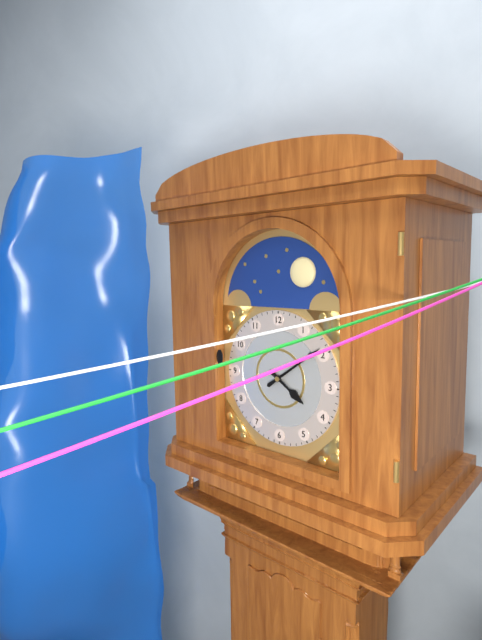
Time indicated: 4:09
